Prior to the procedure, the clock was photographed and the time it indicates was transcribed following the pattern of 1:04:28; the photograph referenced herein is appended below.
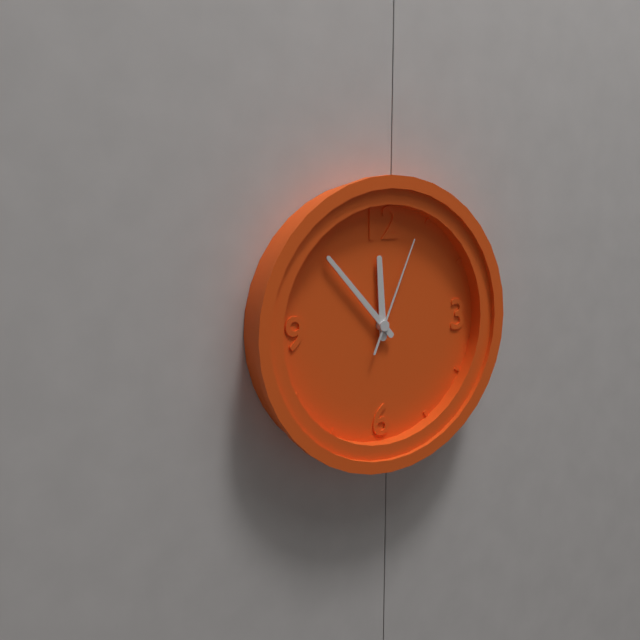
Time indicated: 11:53:04
